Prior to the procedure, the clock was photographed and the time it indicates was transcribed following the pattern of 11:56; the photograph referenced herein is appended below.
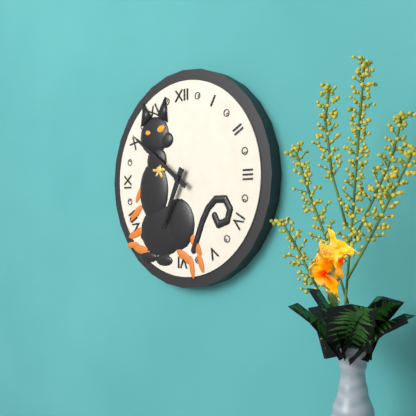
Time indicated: 6:51
